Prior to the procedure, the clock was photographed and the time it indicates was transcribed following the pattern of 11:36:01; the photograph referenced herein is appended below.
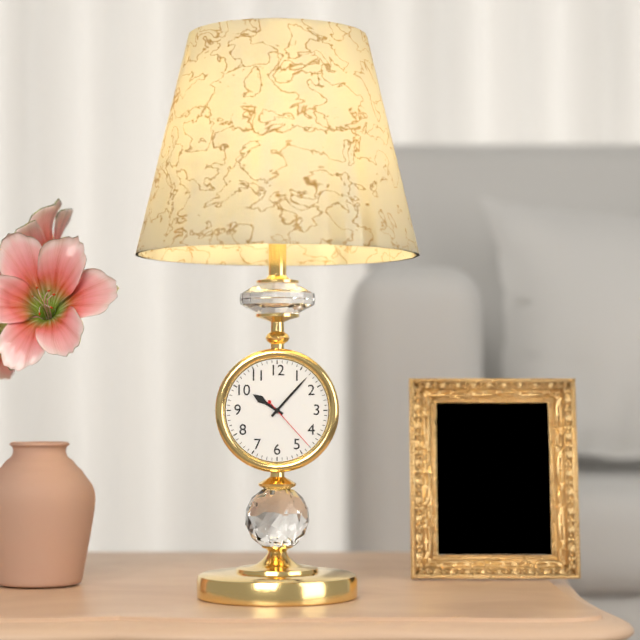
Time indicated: 10:07:23
